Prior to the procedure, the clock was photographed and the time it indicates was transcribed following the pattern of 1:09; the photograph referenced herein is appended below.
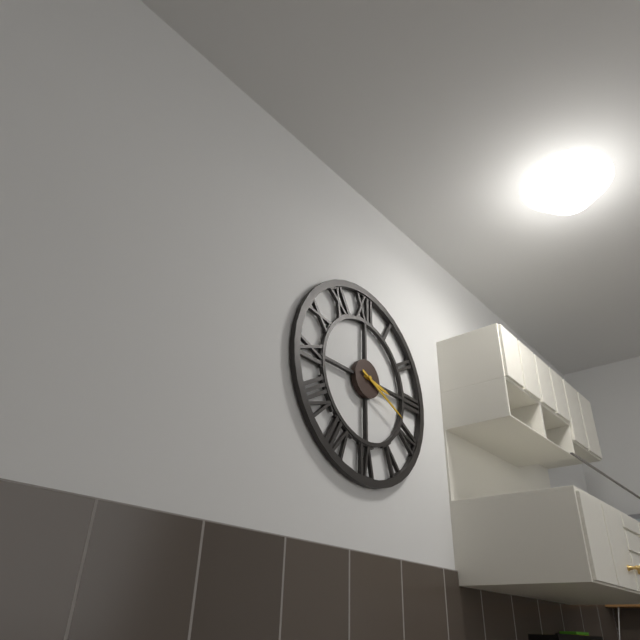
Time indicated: 3:19
